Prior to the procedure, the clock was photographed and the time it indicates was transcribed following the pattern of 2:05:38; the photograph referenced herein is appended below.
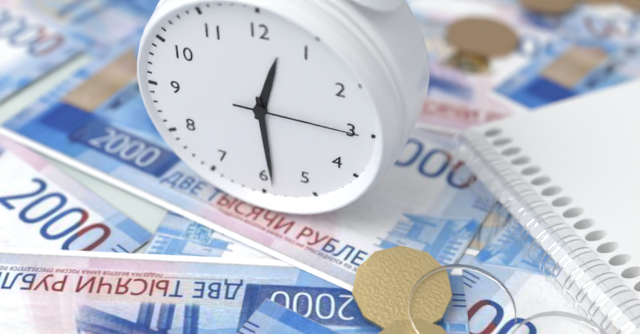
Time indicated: 12:29:15
